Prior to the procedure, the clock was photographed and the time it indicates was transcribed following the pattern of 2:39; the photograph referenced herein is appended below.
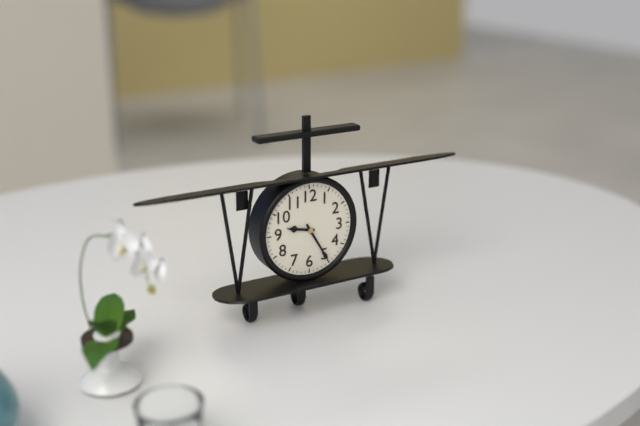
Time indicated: 9:25
